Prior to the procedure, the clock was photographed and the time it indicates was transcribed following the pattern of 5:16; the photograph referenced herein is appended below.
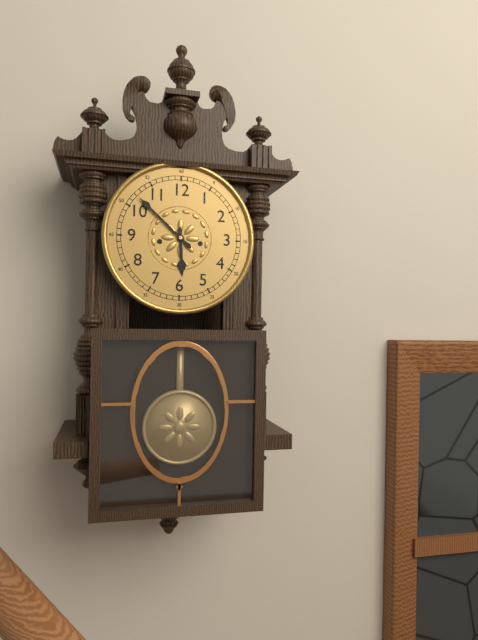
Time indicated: 5:52
